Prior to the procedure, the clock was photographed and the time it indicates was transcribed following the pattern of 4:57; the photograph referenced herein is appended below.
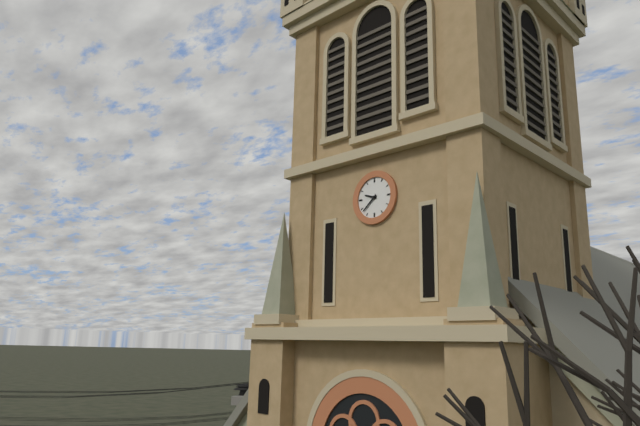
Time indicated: 9:38
